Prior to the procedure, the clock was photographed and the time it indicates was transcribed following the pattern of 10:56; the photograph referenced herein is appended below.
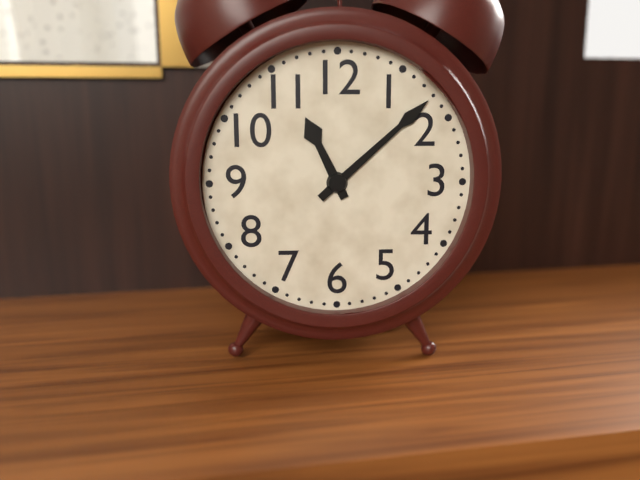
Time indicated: 11:08
